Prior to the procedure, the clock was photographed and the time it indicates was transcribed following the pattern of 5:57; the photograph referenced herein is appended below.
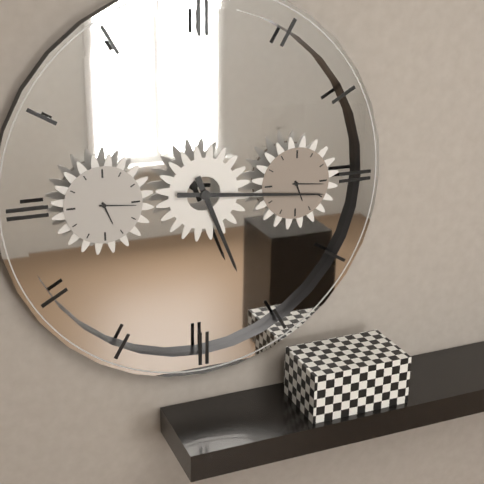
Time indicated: 5:16
